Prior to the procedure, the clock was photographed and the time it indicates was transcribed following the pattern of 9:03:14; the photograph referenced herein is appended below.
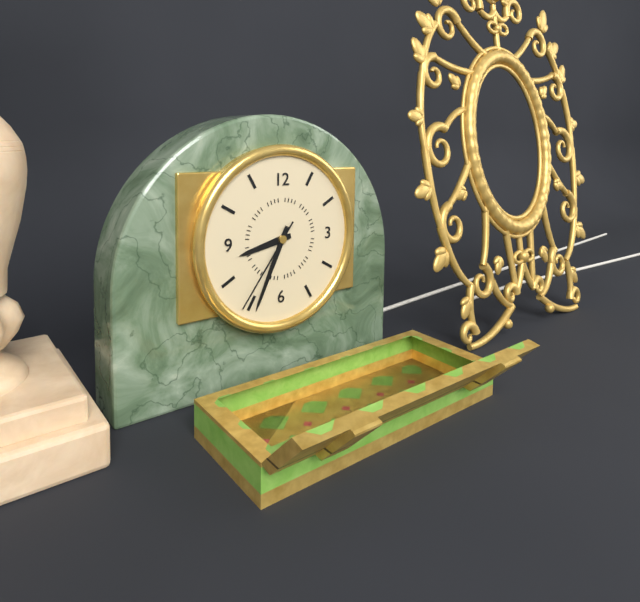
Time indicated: 8:34:36
